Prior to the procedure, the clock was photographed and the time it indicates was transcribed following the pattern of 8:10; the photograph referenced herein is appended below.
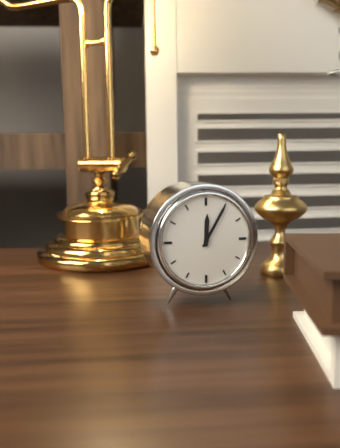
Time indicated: 12:05
